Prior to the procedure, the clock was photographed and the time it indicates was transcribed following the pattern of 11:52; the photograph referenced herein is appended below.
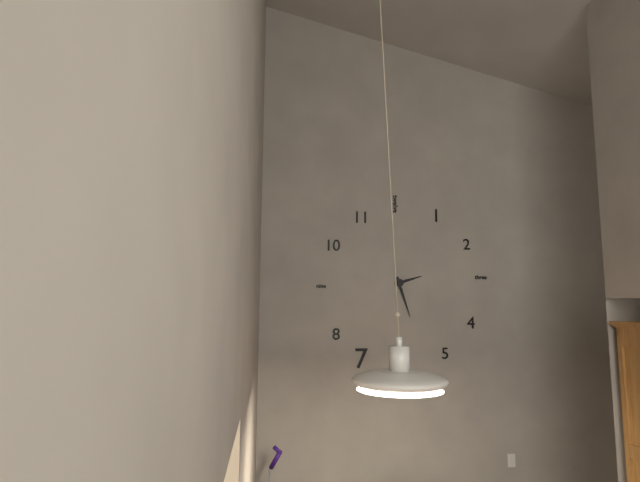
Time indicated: 2:27
